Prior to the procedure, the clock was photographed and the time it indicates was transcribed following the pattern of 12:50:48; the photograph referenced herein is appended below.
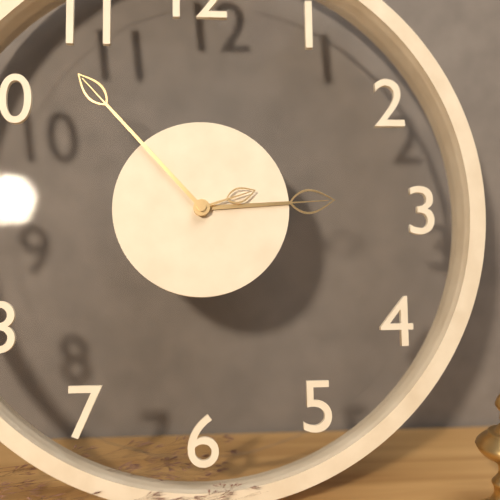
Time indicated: 2:53:12
